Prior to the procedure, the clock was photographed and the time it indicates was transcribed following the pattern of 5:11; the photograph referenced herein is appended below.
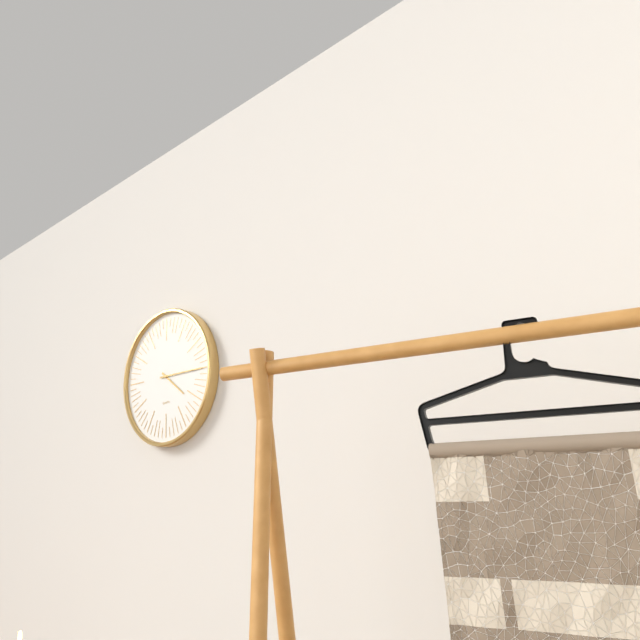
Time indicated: 4:15
